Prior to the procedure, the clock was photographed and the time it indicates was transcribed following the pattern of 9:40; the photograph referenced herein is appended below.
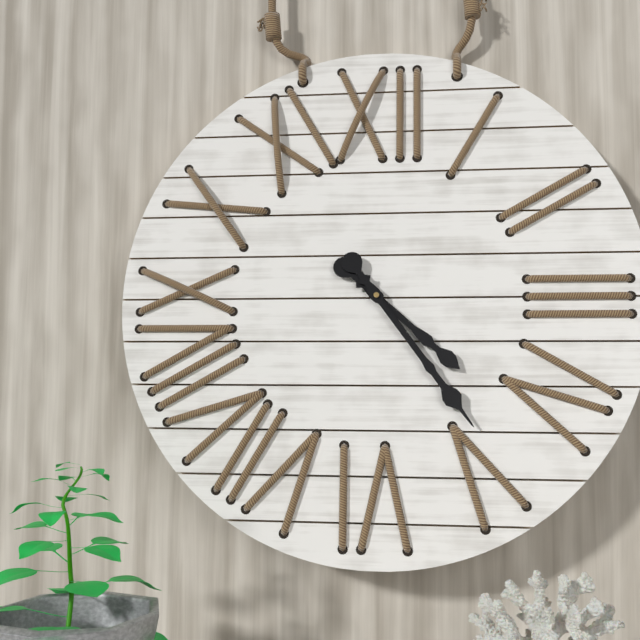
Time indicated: 4:24
